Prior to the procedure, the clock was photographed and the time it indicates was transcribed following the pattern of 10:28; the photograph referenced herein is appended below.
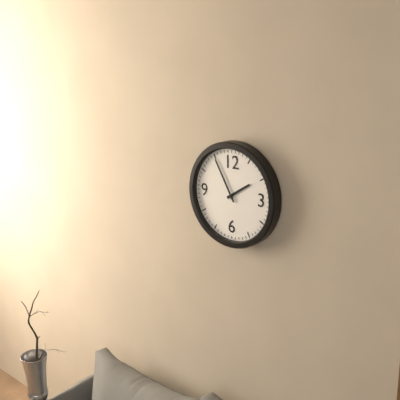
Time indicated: 1:55
